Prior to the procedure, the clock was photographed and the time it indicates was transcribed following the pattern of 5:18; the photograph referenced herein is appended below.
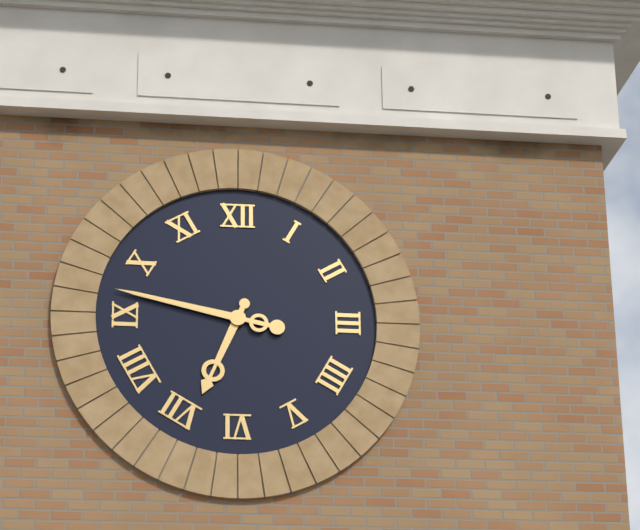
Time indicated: 6:47
